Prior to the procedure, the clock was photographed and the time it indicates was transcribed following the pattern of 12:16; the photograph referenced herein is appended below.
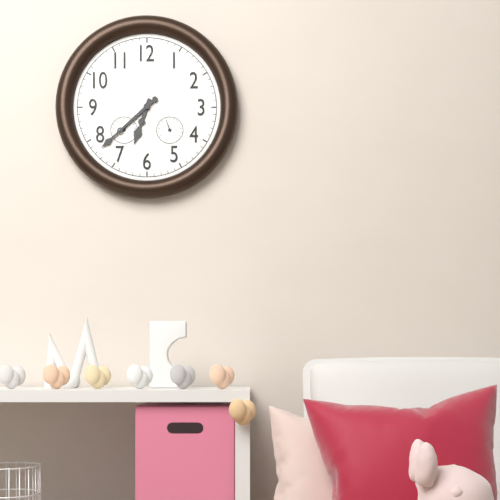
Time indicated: 6:38
